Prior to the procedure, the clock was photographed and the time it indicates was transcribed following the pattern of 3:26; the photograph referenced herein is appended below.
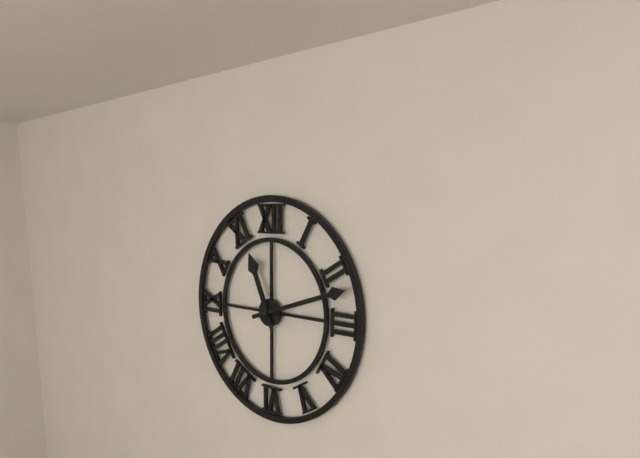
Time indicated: 11:12
